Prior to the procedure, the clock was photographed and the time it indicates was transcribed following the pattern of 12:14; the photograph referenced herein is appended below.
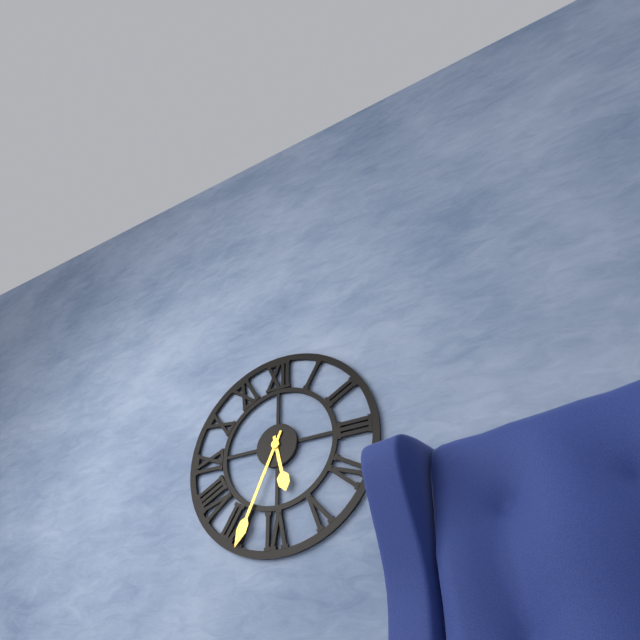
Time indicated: 5:34
